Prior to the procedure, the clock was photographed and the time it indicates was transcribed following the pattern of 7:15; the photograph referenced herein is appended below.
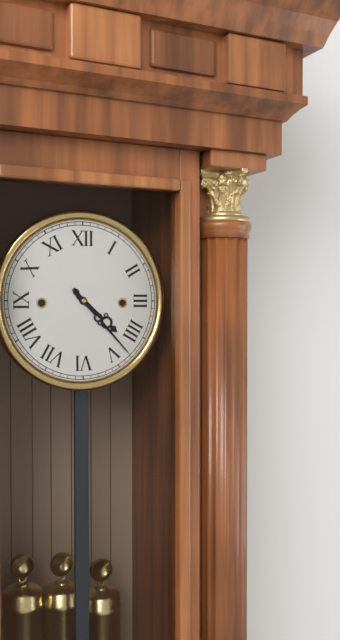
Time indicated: 4:23
